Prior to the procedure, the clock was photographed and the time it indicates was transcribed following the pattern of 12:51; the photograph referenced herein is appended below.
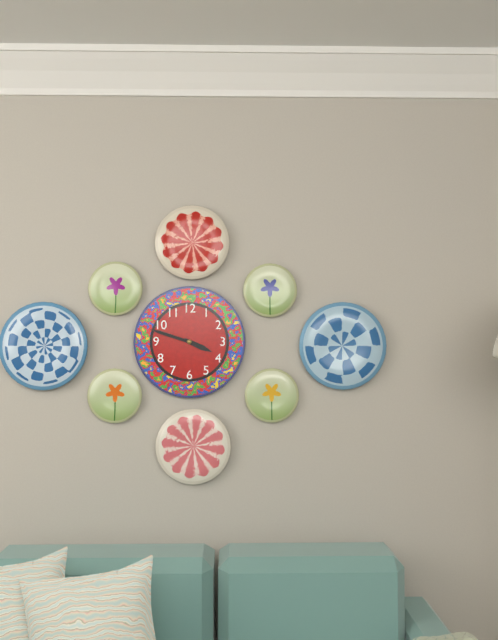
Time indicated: 3:48
